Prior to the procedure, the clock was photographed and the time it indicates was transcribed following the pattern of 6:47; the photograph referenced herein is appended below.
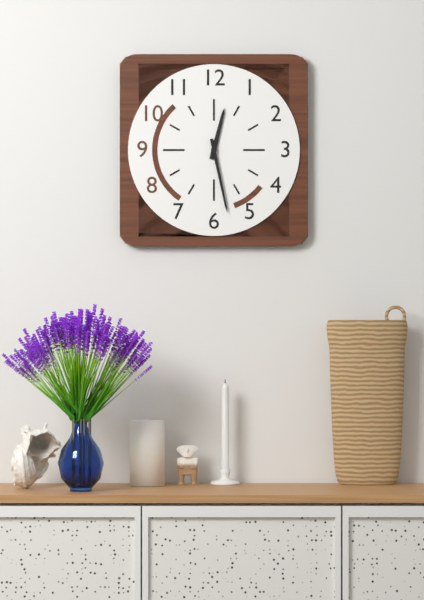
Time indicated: 12:28
